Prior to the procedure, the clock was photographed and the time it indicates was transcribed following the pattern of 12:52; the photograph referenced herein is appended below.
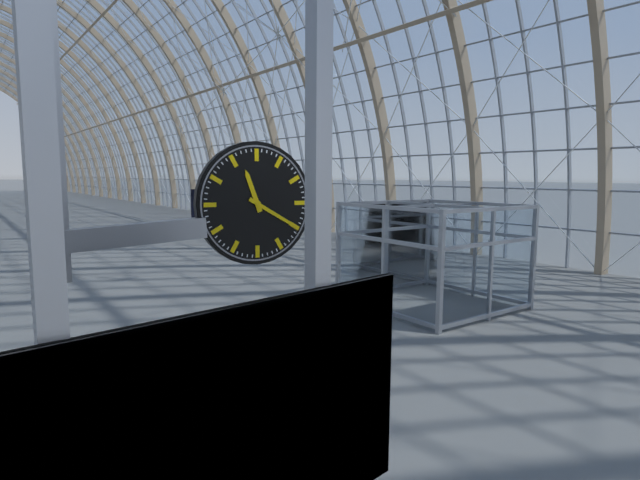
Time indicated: 11:20
